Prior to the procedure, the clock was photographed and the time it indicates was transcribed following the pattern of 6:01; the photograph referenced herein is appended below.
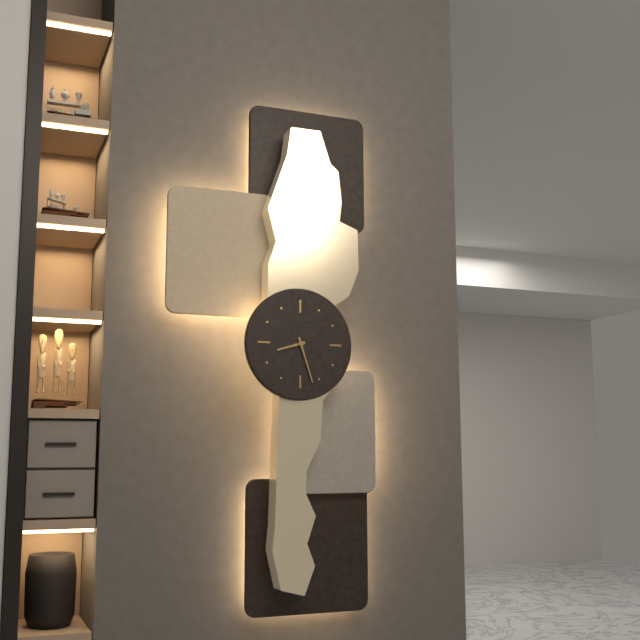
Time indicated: 8:27
